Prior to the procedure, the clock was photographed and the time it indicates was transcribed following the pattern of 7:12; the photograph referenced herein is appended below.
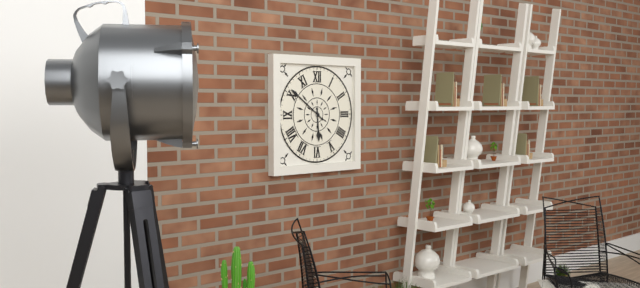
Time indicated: 5:51
